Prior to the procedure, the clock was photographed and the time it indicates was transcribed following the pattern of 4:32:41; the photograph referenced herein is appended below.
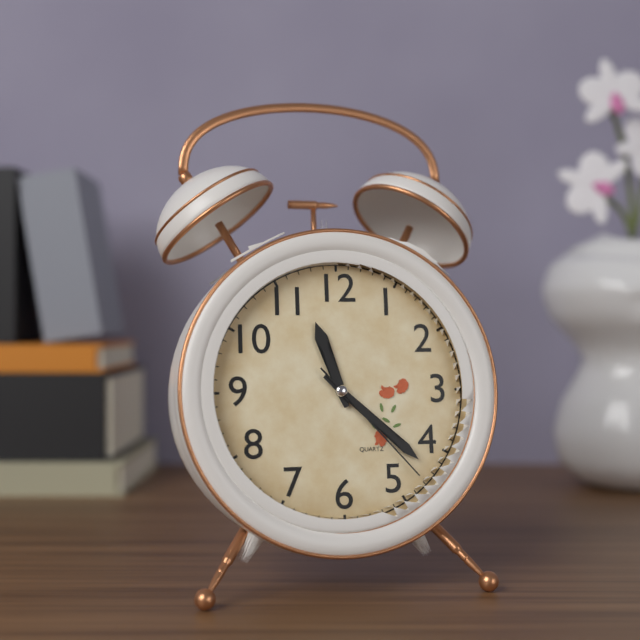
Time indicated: 11:22:23
